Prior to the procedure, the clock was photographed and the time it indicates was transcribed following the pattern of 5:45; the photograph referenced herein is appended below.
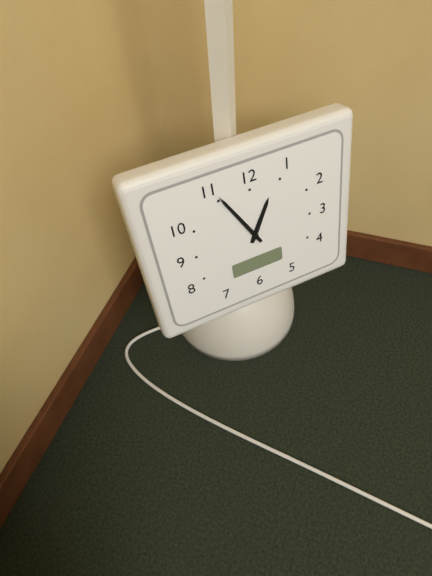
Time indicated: 12:55
